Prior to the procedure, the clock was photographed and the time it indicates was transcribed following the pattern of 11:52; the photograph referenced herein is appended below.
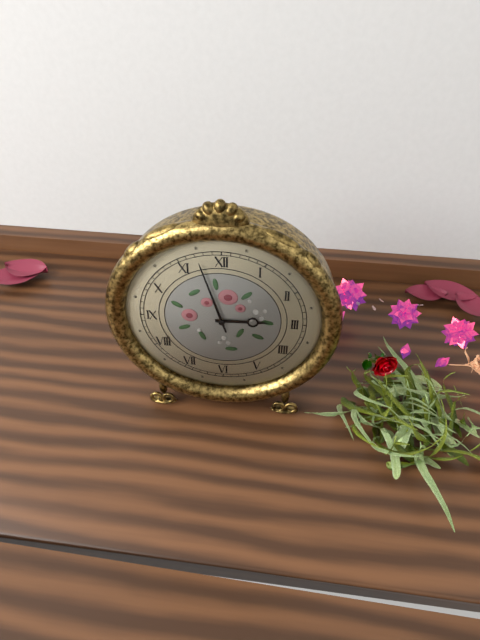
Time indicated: 2:57
